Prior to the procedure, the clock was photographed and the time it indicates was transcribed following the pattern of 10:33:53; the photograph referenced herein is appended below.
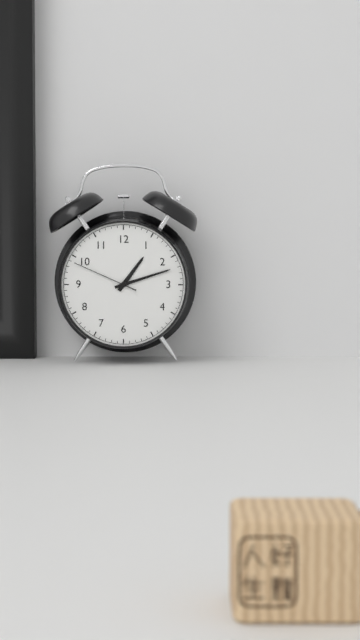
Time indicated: 1:12:49
